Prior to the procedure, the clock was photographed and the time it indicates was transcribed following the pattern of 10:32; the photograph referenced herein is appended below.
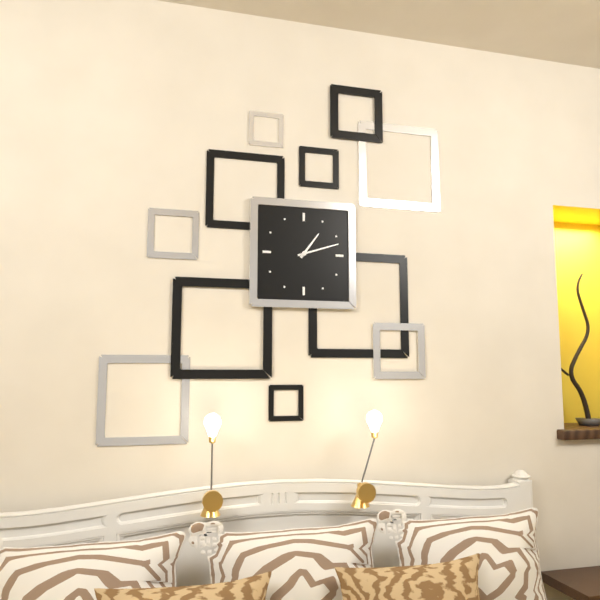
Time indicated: 1:12
